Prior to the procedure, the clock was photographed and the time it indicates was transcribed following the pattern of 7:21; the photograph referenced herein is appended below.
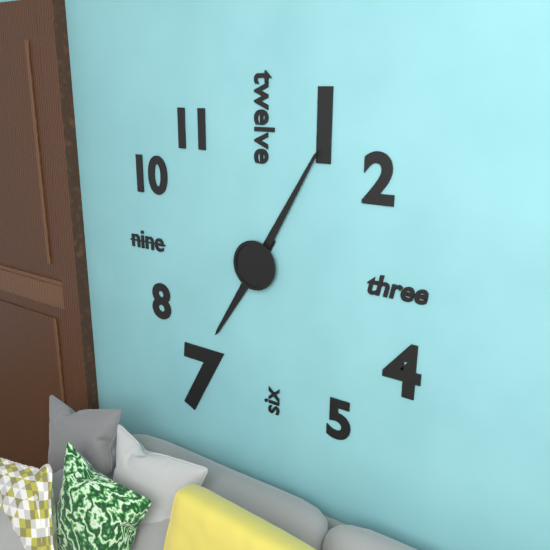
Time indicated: 7:05
